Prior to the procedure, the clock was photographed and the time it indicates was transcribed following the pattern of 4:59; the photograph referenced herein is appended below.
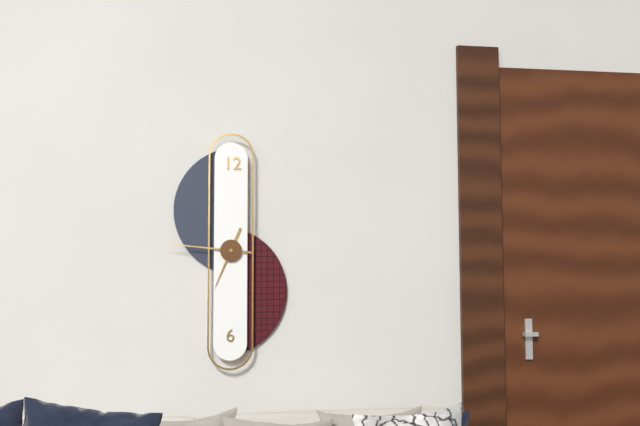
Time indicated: 6:46
